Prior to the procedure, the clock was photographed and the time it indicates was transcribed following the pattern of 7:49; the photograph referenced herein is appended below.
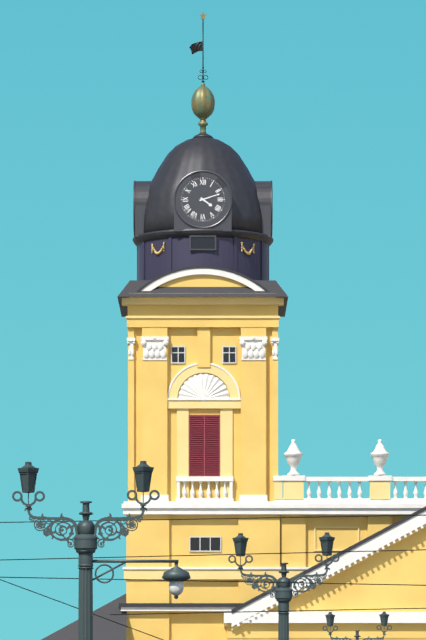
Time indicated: 4:12
